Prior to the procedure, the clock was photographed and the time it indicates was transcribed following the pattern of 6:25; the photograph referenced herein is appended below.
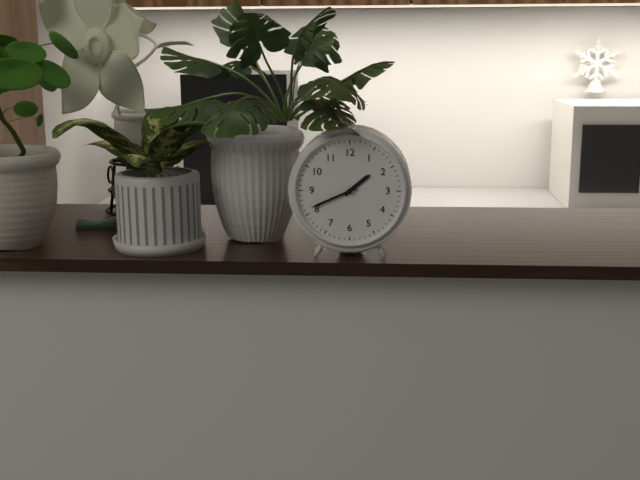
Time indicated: 1:41
